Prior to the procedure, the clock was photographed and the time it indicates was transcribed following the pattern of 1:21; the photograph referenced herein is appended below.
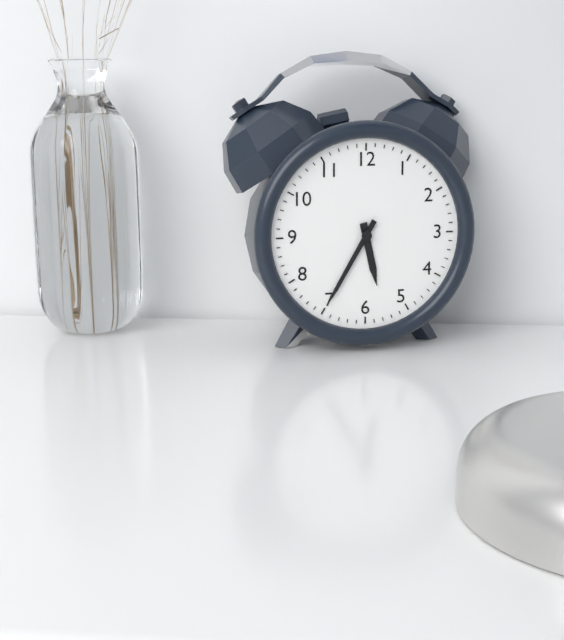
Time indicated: 5:35
